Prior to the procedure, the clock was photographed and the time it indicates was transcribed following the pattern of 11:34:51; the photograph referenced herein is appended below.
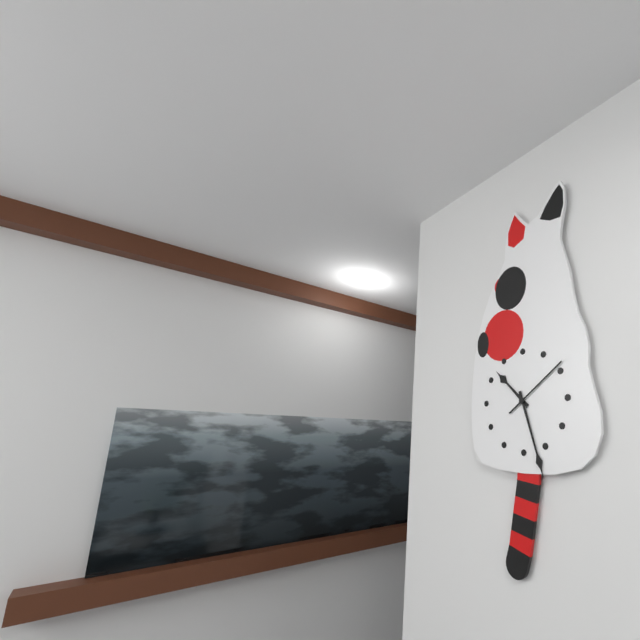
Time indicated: 10:27:09
